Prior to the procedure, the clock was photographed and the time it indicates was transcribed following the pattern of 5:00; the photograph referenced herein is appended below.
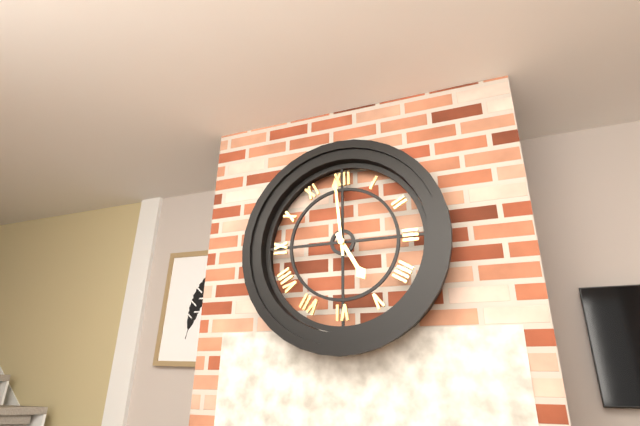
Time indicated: 4:59
